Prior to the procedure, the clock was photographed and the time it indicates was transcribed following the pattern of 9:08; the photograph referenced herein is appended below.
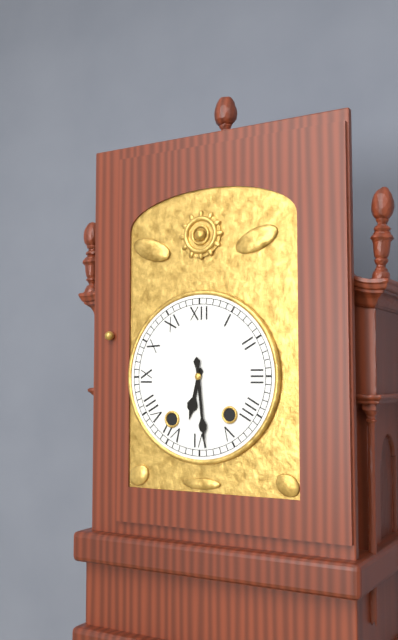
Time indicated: 6:29
